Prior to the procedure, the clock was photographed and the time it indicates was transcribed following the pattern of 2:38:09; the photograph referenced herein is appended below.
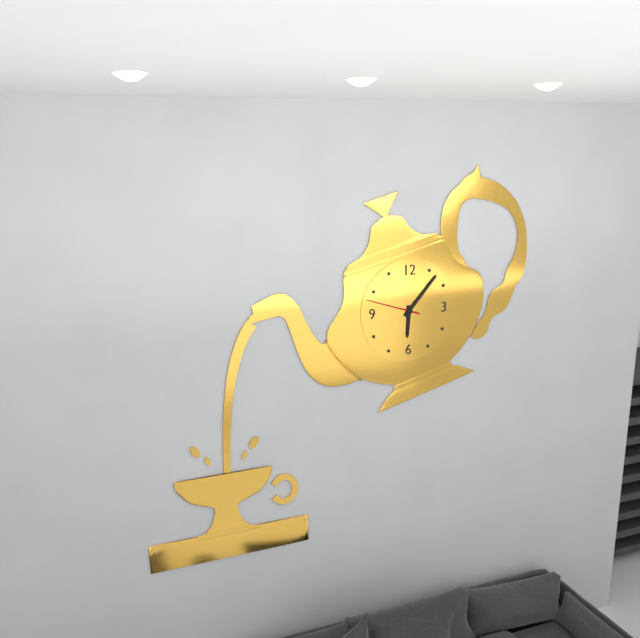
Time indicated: 6:07:48
